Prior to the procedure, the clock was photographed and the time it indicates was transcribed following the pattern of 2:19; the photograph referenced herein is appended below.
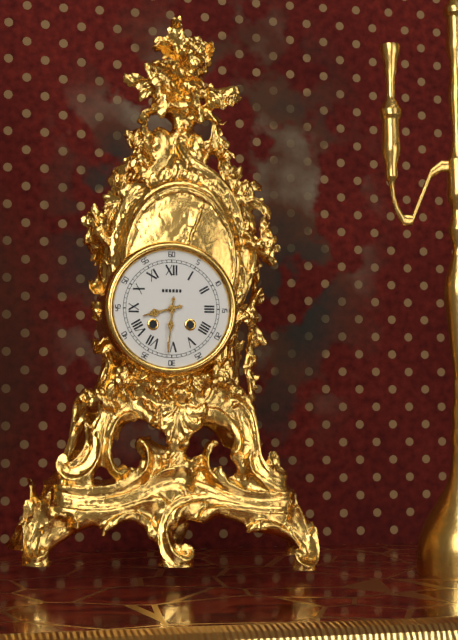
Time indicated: 8:31
